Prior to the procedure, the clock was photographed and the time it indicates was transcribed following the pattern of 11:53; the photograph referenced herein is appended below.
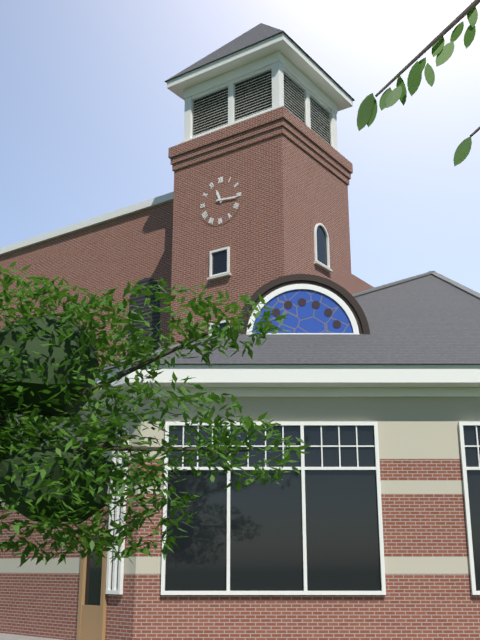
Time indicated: 11:16
